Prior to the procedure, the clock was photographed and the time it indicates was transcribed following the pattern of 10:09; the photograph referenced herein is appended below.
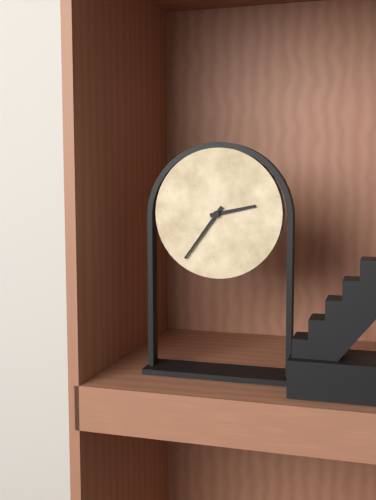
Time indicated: 2:36
